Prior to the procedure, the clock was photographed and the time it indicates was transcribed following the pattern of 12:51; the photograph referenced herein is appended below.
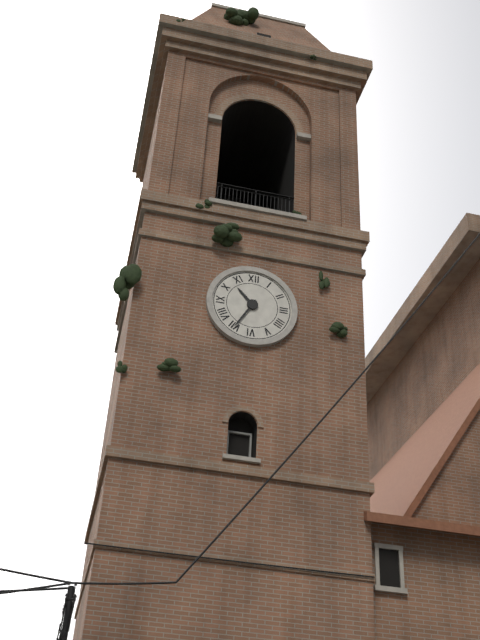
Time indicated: 10:35
